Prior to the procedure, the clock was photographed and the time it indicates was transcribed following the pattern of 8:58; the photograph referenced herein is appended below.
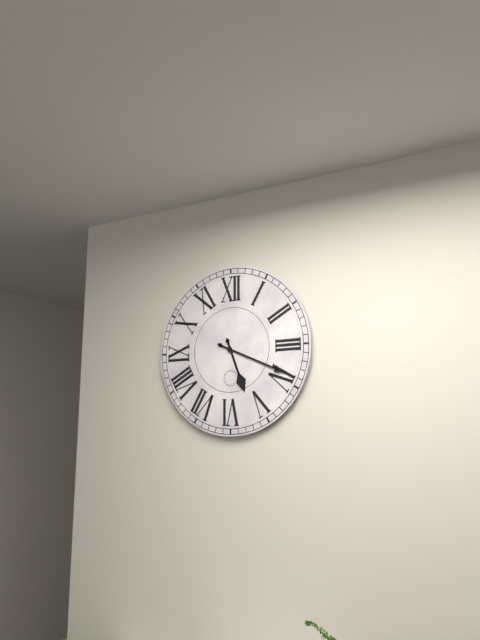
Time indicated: 5:19
